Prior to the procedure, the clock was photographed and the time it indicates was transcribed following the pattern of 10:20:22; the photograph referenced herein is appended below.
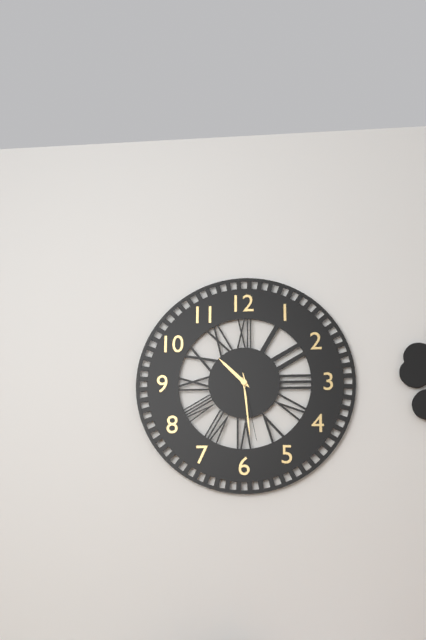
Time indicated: 10:29:28
